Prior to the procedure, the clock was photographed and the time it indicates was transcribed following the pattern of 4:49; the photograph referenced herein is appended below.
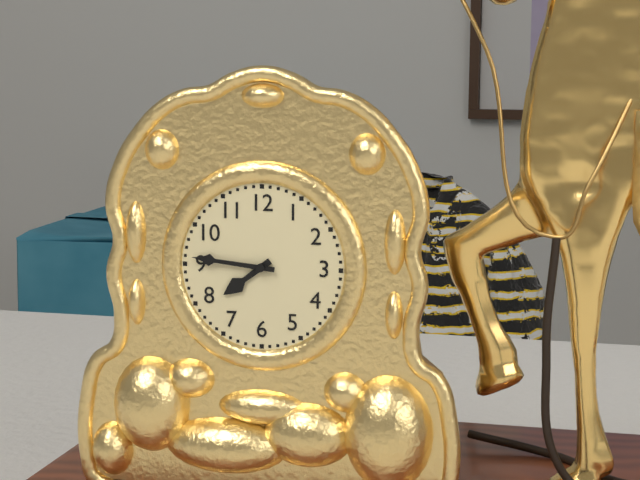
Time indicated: 7:46
